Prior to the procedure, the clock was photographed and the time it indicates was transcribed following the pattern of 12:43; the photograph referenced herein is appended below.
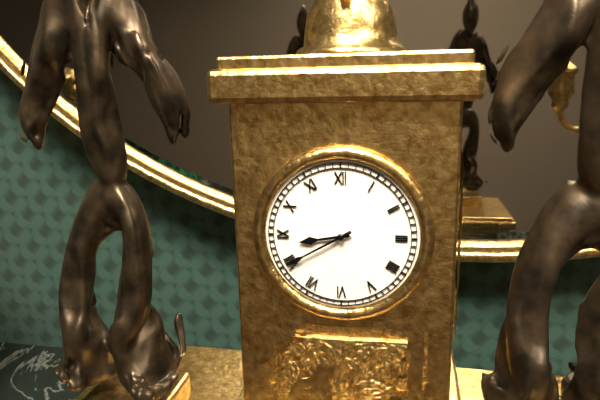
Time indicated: 8:40
